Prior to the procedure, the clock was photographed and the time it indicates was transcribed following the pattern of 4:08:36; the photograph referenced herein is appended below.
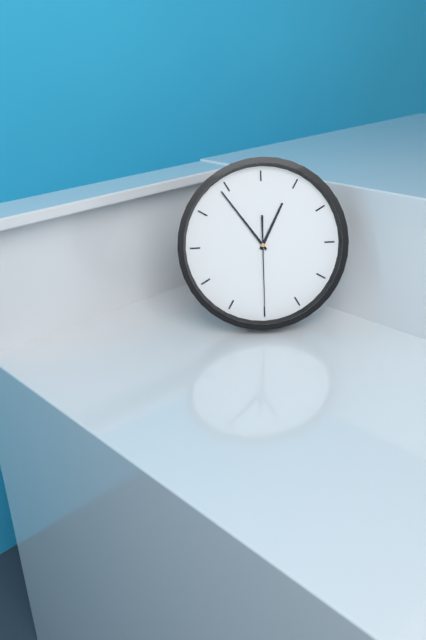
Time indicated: 12:54:30
